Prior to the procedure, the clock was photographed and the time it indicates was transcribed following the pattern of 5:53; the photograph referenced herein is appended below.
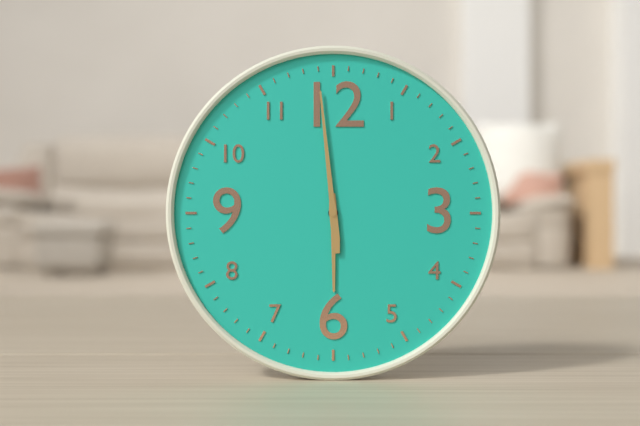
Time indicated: 5:59
